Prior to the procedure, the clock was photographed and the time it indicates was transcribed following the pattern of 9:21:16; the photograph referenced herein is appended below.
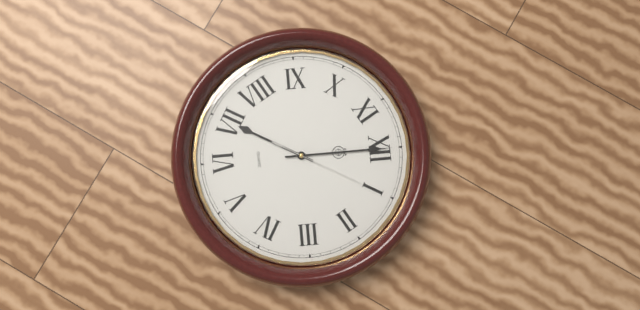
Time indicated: 7:00:05
